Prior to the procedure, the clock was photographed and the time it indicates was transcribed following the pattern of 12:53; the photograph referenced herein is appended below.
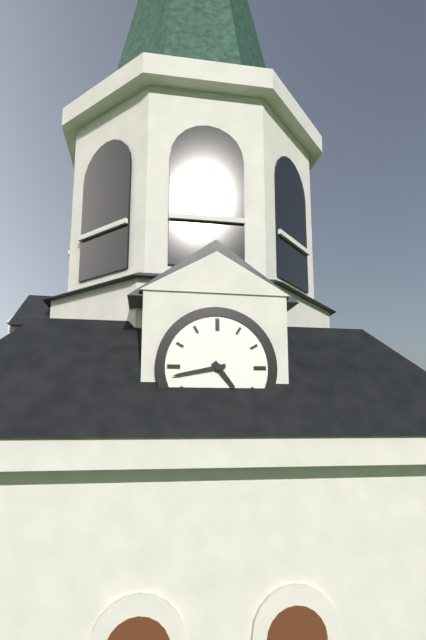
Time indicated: 4:43
